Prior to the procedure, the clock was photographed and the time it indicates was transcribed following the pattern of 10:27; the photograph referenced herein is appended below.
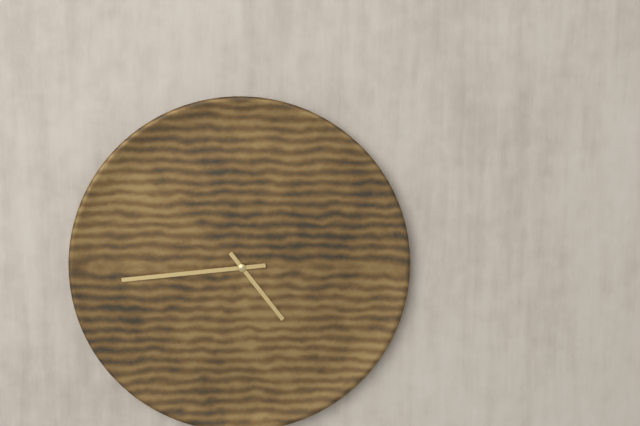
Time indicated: 4:44
